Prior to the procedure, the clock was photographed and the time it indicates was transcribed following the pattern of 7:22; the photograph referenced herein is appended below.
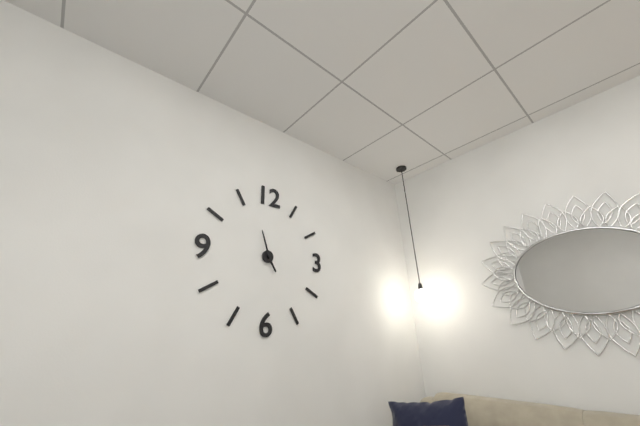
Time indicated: 4:57
